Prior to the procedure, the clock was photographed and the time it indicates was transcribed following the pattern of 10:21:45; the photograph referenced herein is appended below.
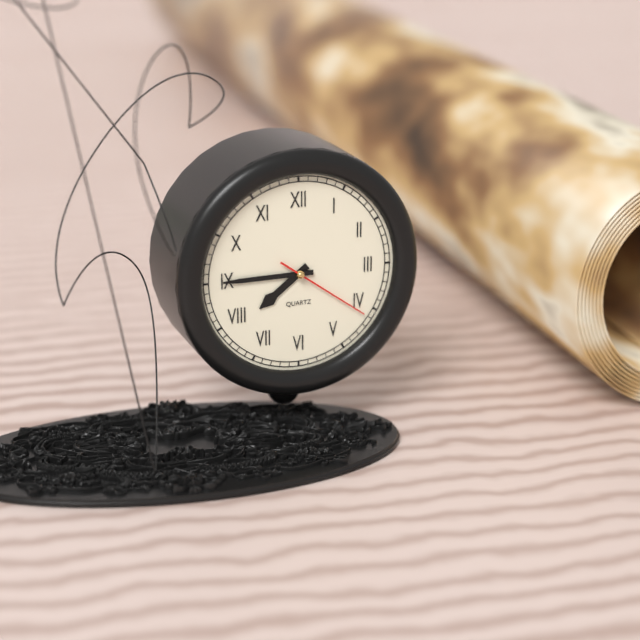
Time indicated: 7:45:21
